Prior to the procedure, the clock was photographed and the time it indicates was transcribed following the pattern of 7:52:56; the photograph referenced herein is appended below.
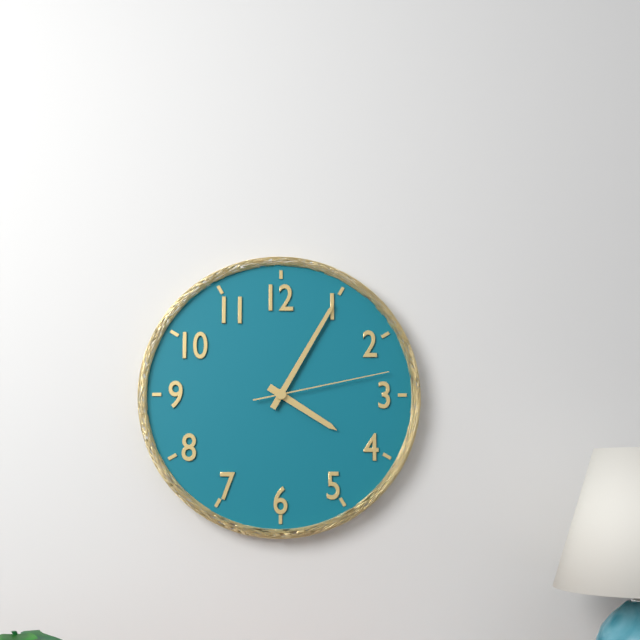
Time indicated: 4:05:13
